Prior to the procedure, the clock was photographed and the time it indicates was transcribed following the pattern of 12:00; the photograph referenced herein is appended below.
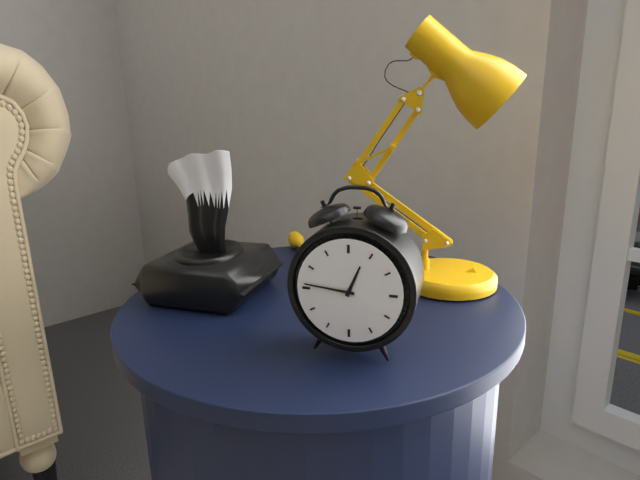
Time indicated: 12:46
